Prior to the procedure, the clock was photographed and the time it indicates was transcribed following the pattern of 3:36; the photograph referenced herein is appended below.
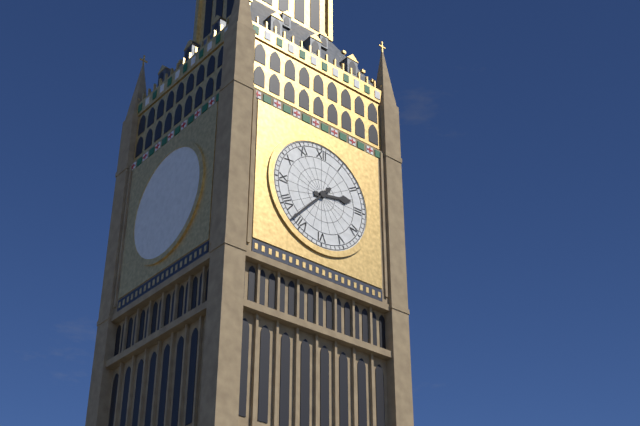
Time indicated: 2:37
